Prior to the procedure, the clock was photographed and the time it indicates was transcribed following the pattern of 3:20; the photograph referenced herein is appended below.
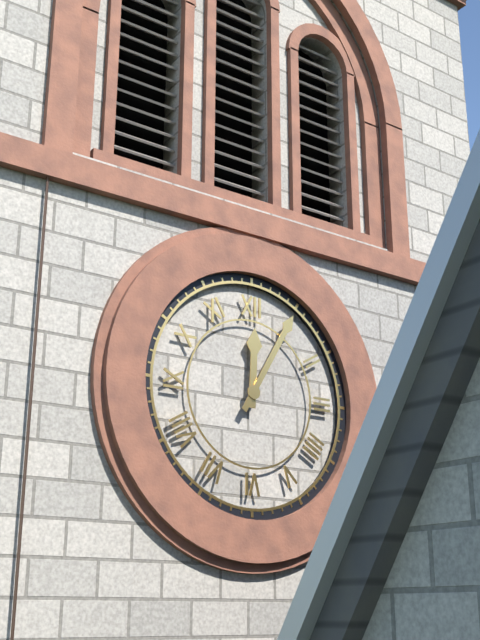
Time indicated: 12:05
